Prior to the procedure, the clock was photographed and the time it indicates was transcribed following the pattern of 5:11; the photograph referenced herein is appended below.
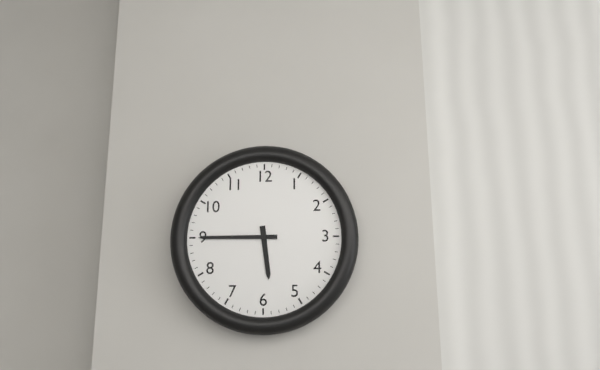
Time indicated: 5:45
